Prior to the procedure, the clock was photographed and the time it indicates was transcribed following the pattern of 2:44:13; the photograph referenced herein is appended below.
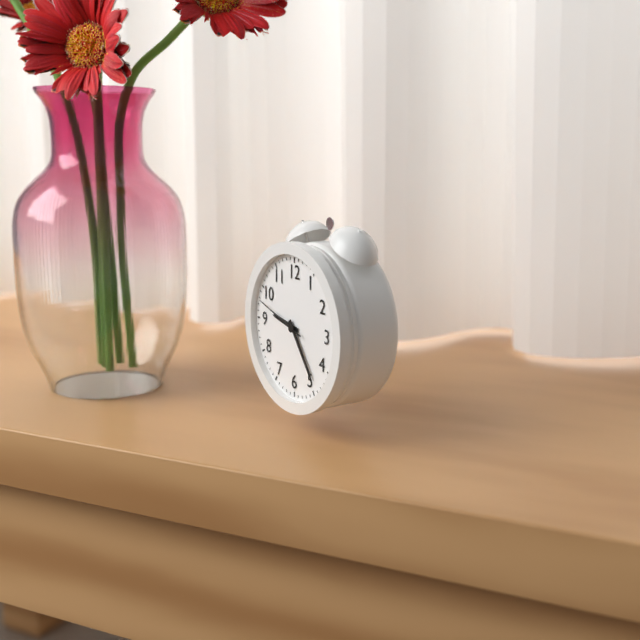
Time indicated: 9:24:48
